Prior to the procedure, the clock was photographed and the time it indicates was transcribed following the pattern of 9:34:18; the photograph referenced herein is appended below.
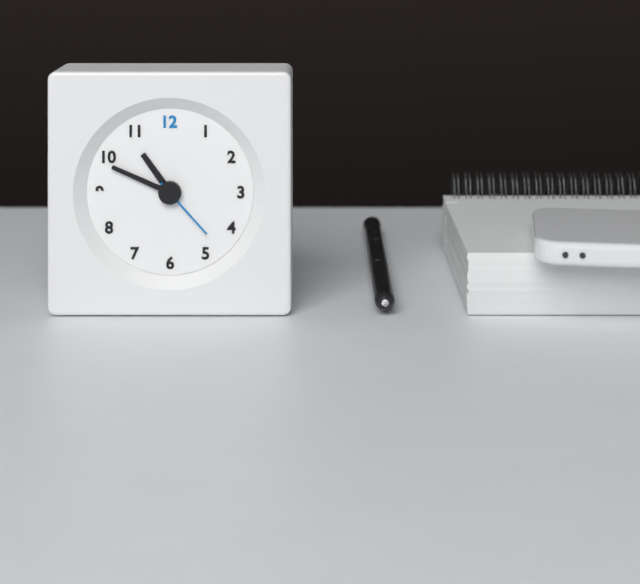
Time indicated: 10:49:23
